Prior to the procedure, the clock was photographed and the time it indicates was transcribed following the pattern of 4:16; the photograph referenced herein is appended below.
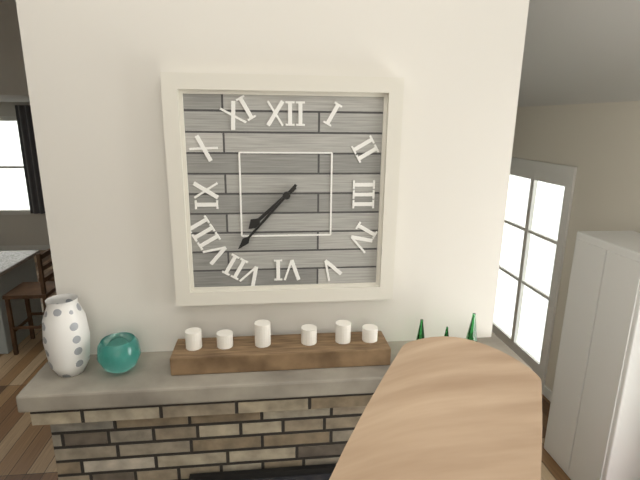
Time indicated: 7:37
